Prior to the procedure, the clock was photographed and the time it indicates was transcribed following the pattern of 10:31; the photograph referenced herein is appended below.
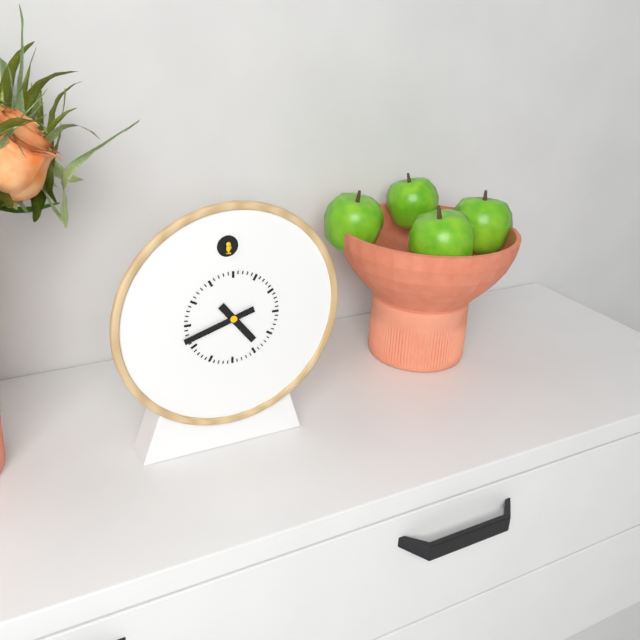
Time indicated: 4:42
